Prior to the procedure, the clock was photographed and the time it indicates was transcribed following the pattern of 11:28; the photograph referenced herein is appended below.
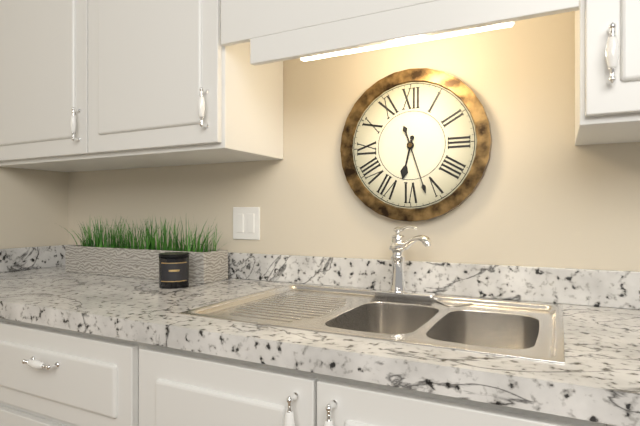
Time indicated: 6:27
